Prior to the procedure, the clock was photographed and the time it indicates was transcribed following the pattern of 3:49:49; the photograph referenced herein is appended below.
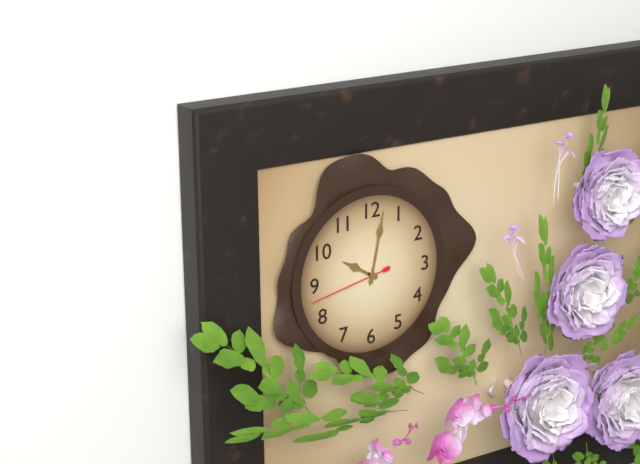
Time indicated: 10:02:43
